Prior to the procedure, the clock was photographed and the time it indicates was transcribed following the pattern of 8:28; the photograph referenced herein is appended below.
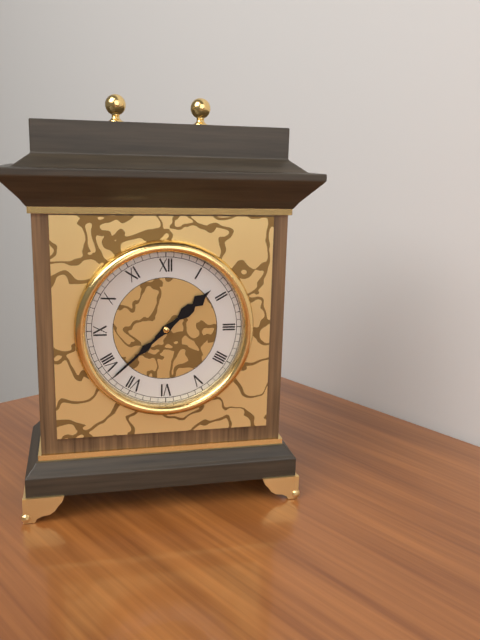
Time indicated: 1:38
